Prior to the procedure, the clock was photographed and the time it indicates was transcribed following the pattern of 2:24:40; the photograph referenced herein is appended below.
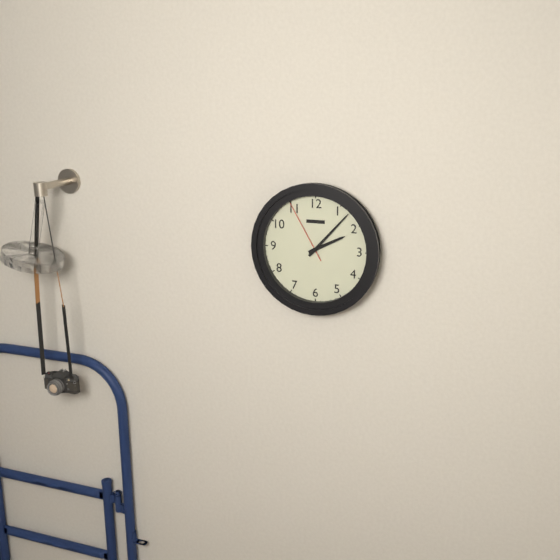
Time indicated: 2:07:55
